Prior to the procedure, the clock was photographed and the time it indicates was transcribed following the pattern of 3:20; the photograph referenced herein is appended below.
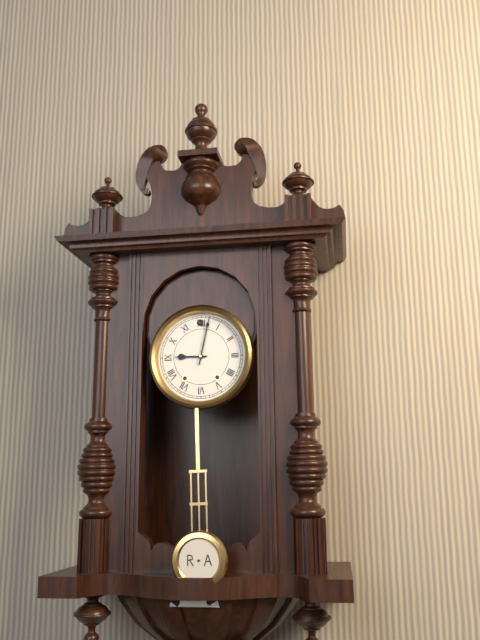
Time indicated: 9:02
